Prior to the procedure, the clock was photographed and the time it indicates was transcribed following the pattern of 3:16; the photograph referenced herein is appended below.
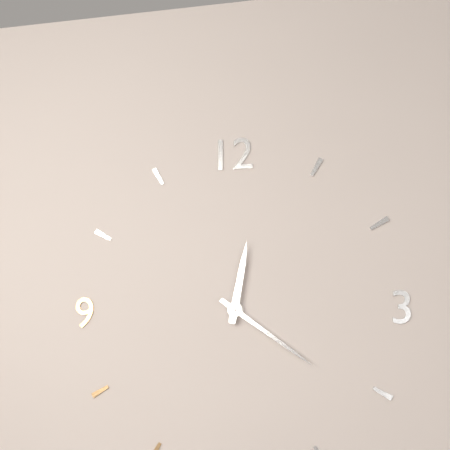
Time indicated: 12:21
